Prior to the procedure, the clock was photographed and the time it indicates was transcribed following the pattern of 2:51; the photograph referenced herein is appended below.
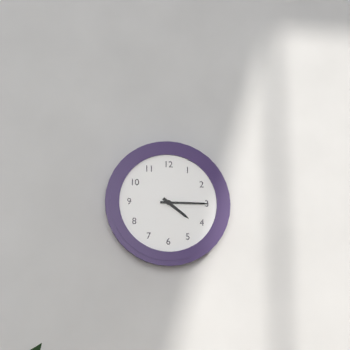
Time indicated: 4:15
